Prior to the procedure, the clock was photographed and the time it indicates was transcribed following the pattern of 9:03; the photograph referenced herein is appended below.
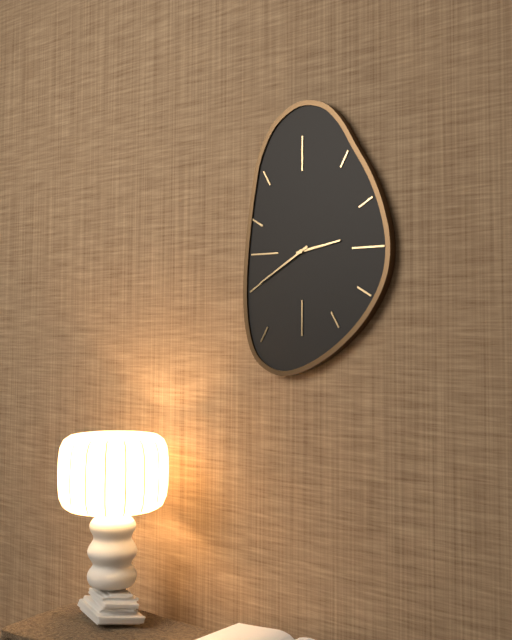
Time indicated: 2:40
